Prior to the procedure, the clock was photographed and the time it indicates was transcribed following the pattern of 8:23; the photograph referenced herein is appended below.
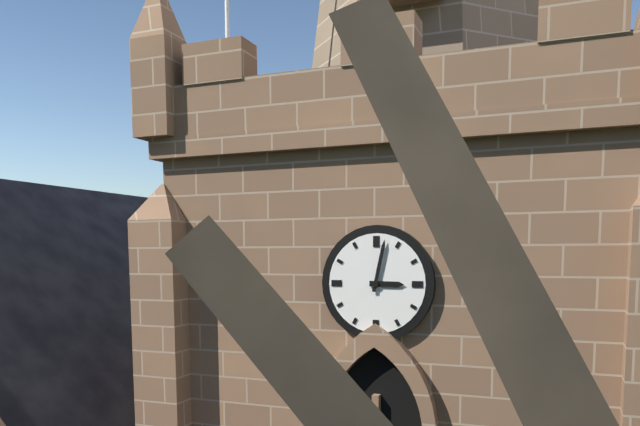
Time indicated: 3:02
